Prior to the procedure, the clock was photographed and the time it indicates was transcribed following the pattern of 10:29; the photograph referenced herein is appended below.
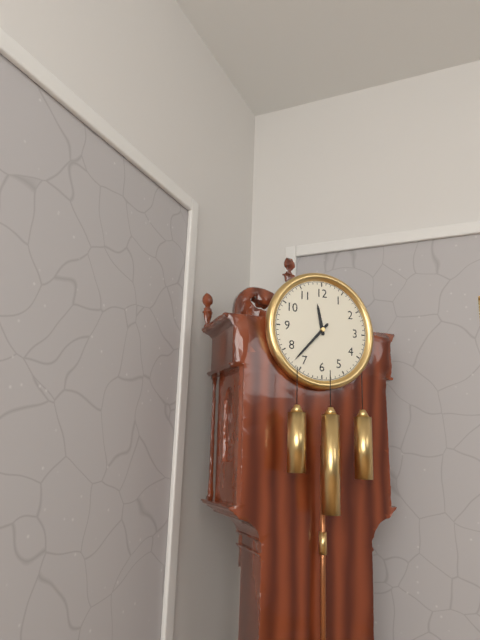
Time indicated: 11:37
